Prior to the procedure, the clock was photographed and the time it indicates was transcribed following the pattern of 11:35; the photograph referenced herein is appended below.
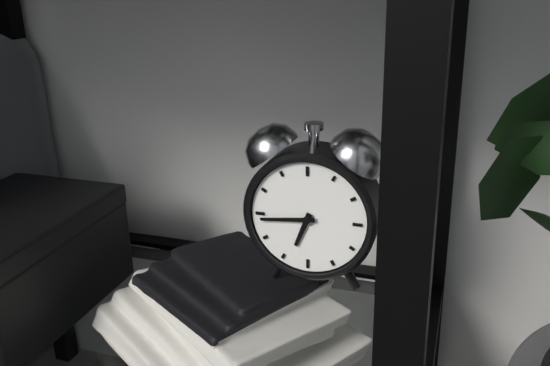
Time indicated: 6:44
